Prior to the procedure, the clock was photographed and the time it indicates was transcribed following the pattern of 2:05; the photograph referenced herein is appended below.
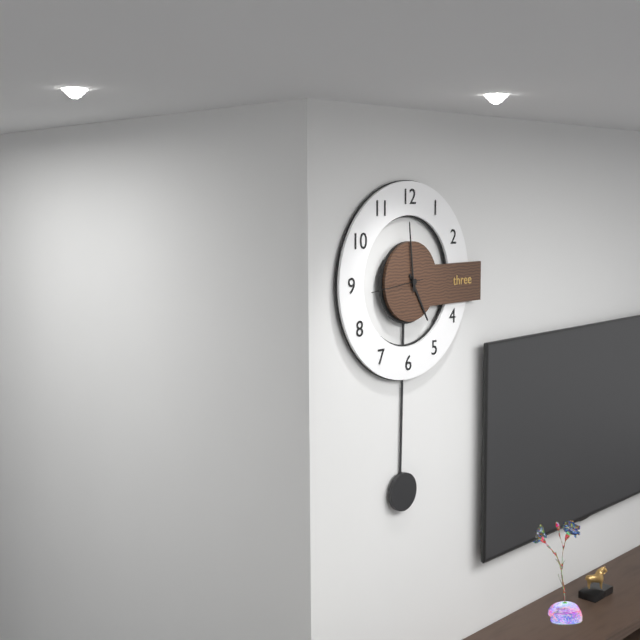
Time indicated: 4:59
